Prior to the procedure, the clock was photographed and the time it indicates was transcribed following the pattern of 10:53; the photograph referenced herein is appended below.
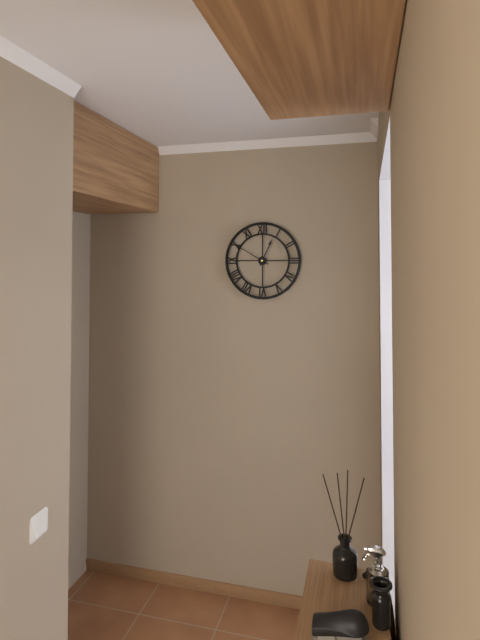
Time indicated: 12:50
